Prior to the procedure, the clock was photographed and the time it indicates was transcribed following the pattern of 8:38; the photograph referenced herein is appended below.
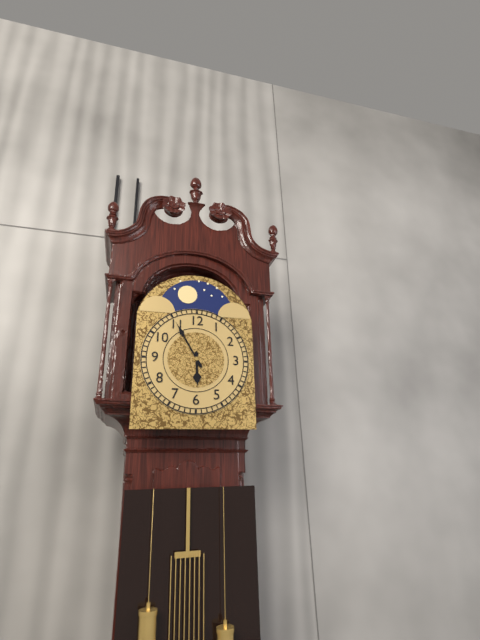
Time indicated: 5:55
